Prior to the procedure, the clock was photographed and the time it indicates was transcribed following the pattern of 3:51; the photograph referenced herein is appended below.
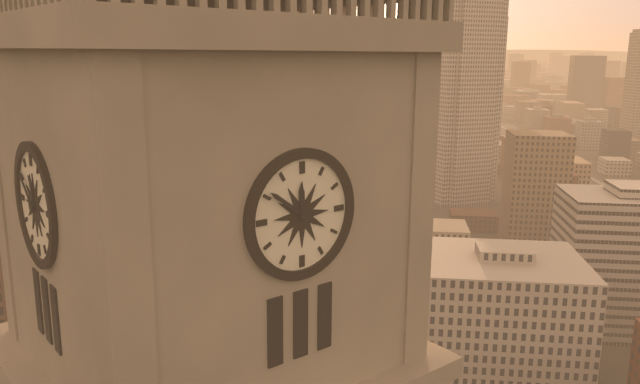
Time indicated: 11:51
